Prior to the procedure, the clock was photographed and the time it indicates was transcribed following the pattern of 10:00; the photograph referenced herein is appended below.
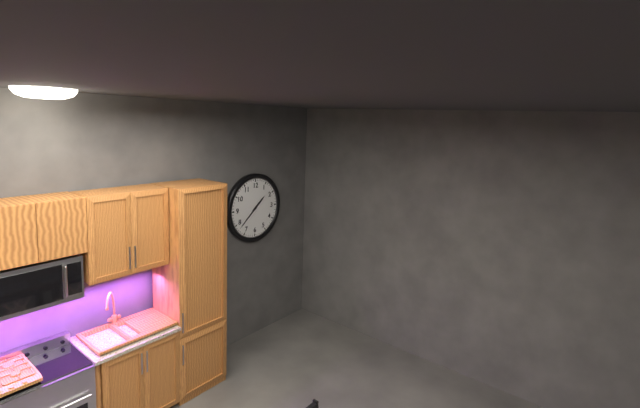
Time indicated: 1:38
